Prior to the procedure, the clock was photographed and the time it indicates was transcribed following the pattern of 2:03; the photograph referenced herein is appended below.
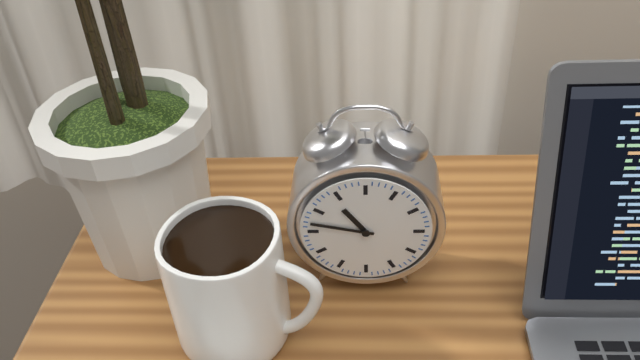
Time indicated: 10:47
